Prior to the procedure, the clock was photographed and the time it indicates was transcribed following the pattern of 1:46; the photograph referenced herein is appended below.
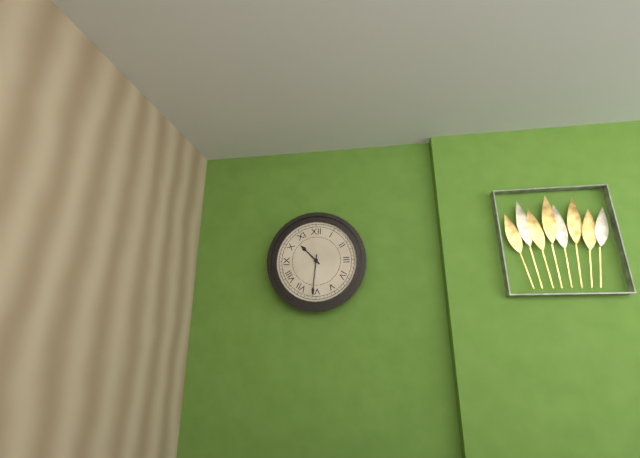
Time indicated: 10:31
